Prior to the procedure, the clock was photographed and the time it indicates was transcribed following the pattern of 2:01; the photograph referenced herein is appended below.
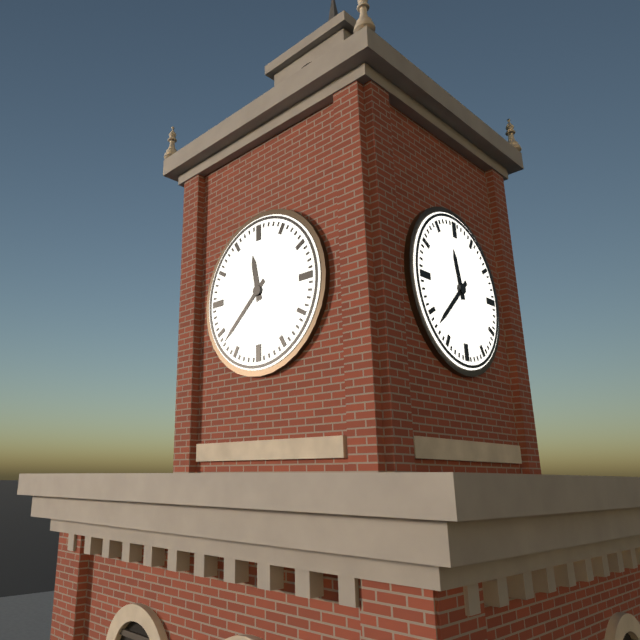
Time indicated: 11:38
